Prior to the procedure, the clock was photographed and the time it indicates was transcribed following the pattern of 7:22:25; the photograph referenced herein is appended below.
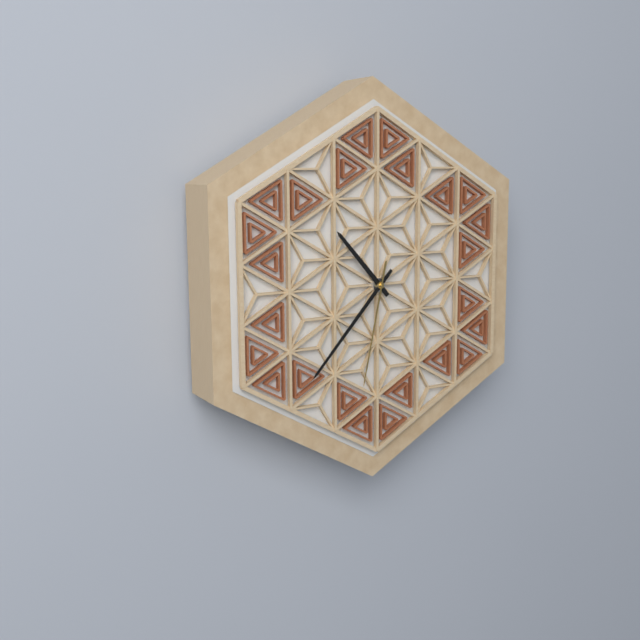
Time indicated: 10:37:32
